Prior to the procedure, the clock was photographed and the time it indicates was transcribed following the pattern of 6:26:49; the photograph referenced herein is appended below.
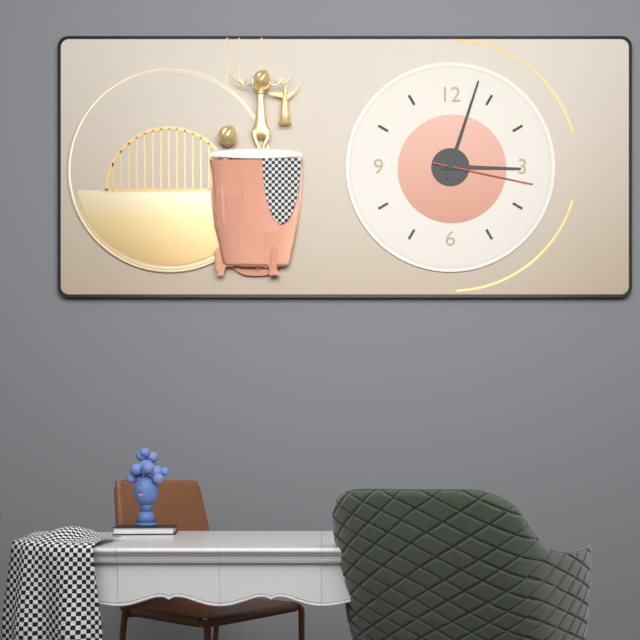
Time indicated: 3:03:17
